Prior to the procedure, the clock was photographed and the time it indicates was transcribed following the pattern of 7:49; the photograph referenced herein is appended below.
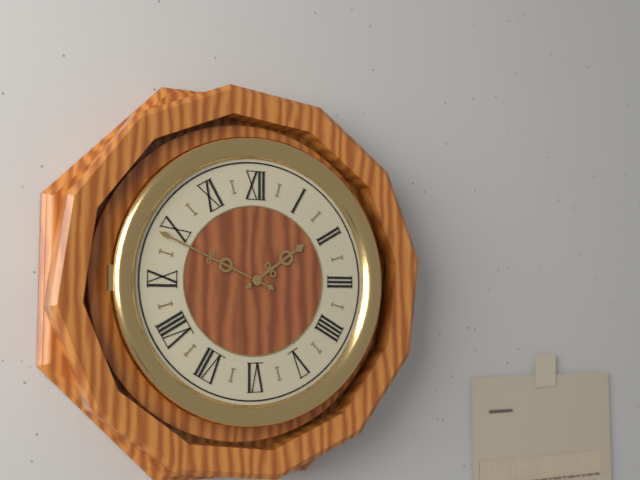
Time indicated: 1:49
